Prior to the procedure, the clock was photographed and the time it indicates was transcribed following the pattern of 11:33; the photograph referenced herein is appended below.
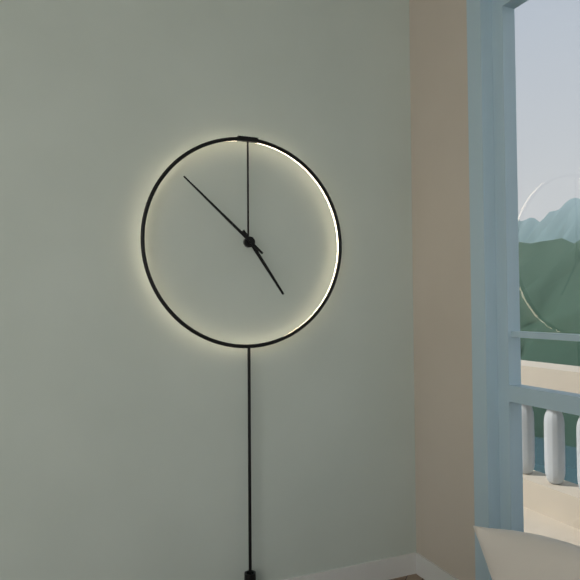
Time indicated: 4:52
